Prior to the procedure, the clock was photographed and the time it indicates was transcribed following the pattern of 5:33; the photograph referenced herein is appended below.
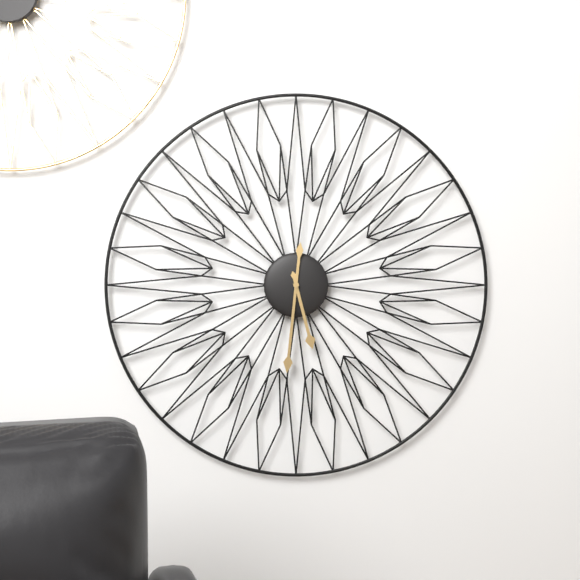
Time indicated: 5:31
